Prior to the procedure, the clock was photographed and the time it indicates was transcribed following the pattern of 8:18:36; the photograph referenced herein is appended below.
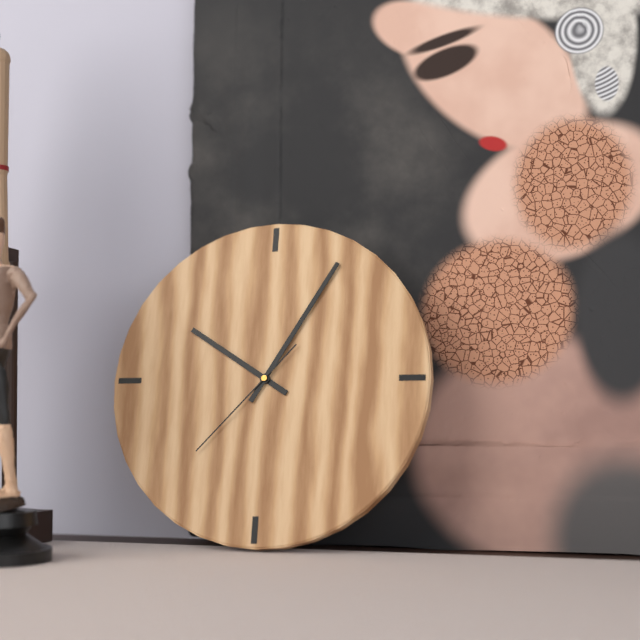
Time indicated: 10:05:37
